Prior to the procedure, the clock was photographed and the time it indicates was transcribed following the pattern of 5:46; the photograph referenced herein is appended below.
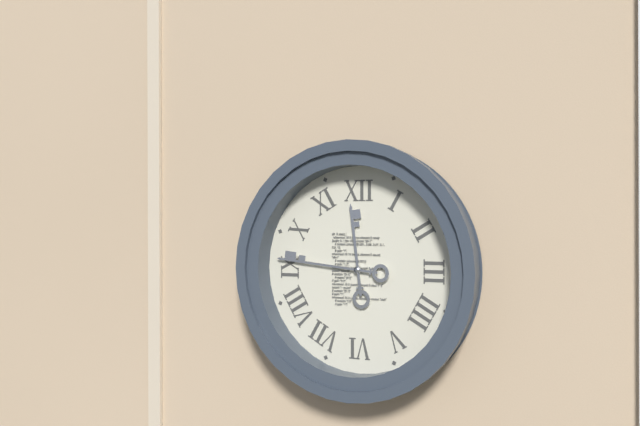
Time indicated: 11:46
